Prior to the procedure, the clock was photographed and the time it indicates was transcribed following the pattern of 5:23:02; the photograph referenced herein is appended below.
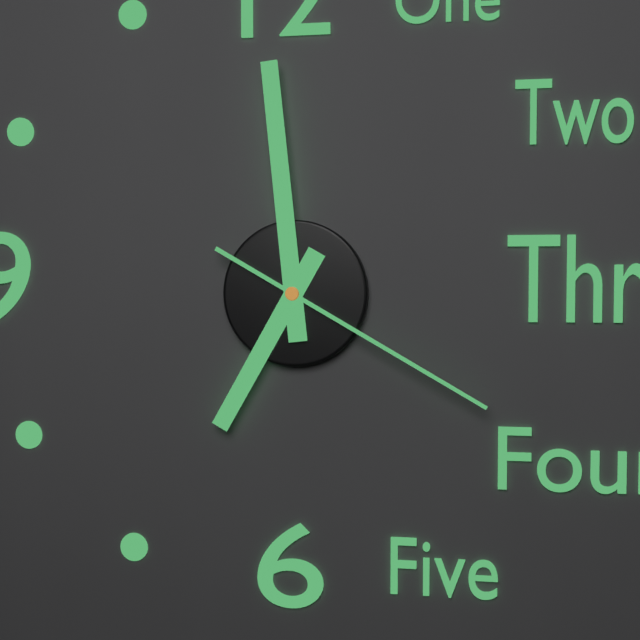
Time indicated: 6:59:20
